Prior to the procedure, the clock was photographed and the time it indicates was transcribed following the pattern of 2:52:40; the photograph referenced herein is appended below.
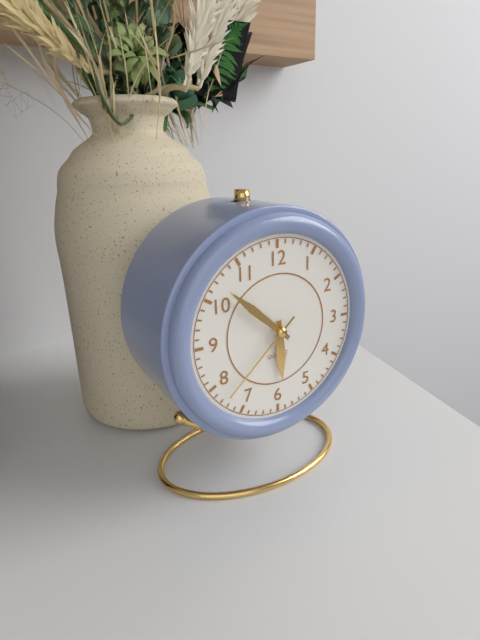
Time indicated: 5:52:38
